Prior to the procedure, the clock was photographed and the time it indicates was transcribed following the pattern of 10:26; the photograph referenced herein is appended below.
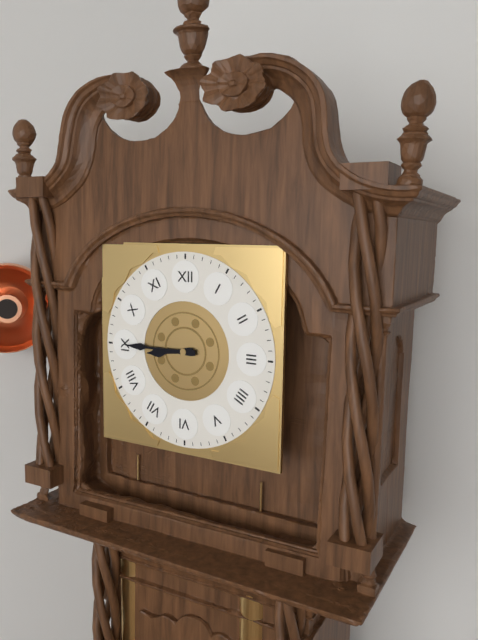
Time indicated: 8:45
